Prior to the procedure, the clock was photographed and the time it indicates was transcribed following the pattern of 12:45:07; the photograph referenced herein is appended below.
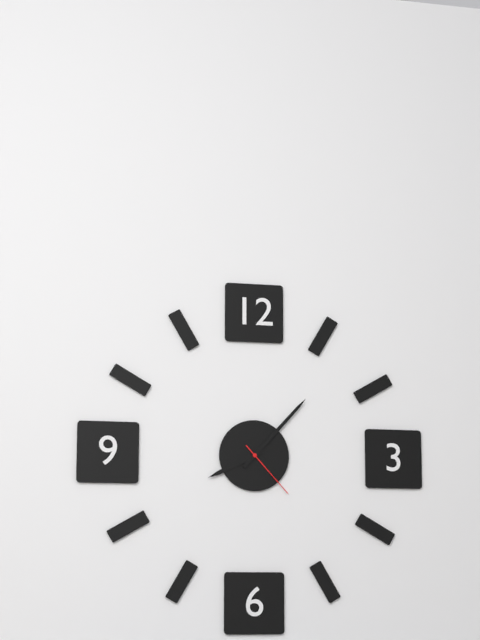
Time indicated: 8:07:23
